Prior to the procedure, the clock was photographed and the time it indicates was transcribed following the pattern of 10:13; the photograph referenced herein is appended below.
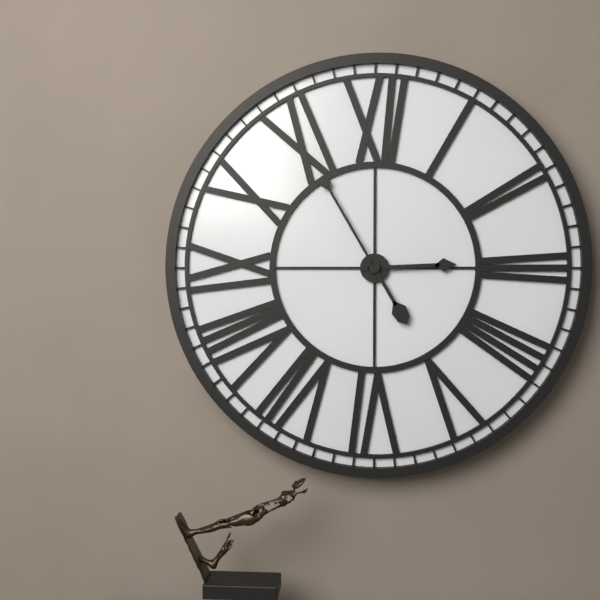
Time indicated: 2:55
